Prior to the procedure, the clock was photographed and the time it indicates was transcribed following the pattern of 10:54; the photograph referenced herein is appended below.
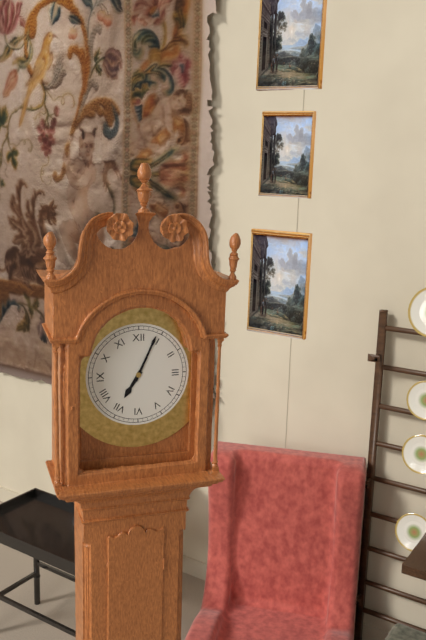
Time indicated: 7:04
